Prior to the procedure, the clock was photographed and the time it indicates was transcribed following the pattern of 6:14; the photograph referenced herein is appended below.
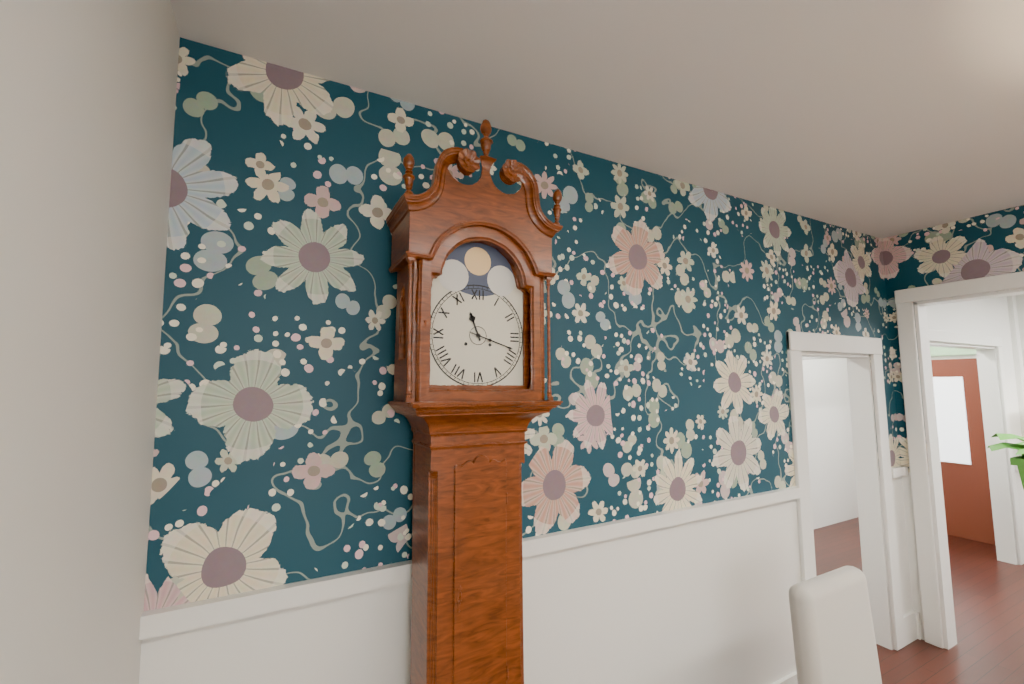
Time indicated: 11:18
